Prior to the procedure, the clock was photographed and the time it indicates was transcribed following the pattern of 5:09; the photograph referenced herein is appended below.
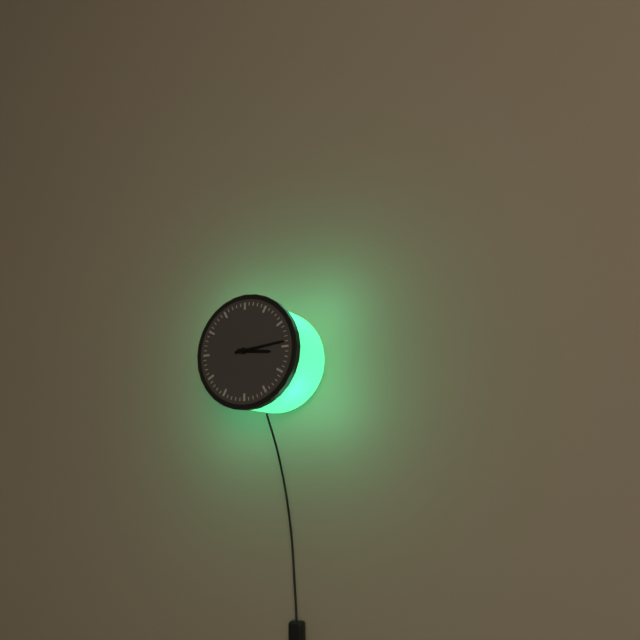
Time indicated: 3:14
